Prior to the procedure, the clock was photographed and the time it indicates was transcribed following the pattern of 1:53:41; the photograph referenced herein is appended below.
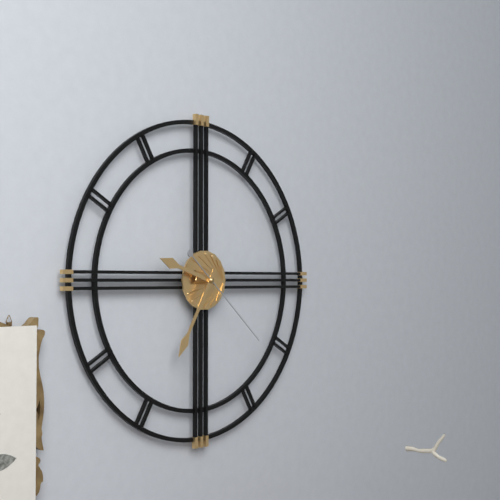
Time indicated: 9:35:22
